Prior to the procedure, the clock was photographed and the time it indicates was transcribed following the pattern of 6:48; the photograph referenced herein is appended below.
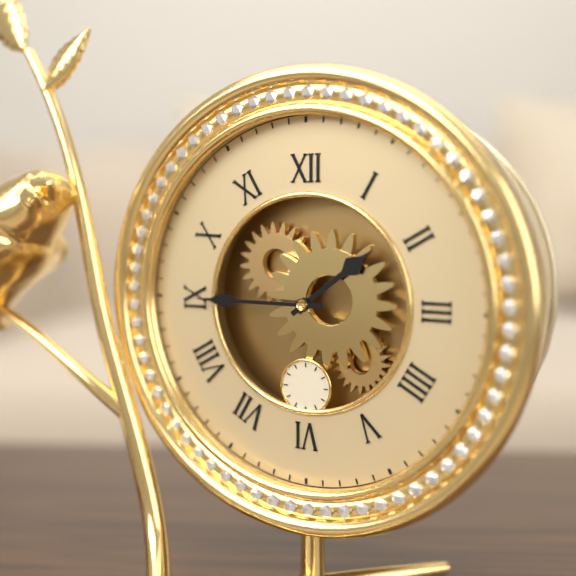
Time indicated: 1:45
